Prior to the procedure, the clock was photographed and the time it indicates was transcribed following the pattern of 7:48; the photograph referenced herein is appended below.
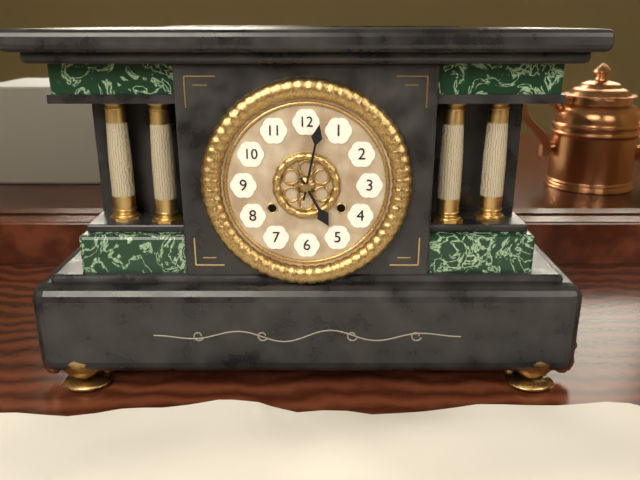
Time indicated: 5:02
